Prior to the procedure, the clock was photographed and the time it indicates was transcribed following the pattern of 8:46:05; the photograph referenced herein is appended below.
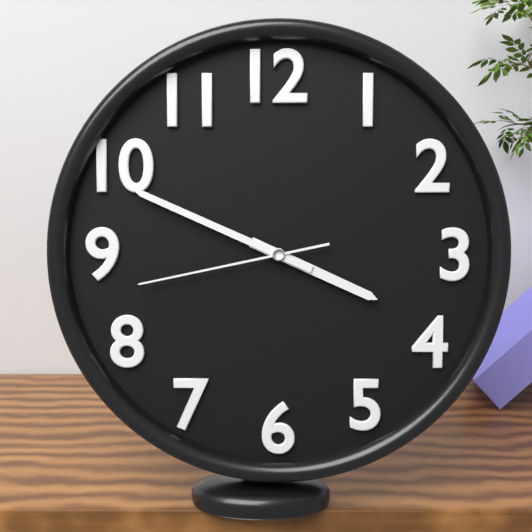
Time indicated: 3:49:43
